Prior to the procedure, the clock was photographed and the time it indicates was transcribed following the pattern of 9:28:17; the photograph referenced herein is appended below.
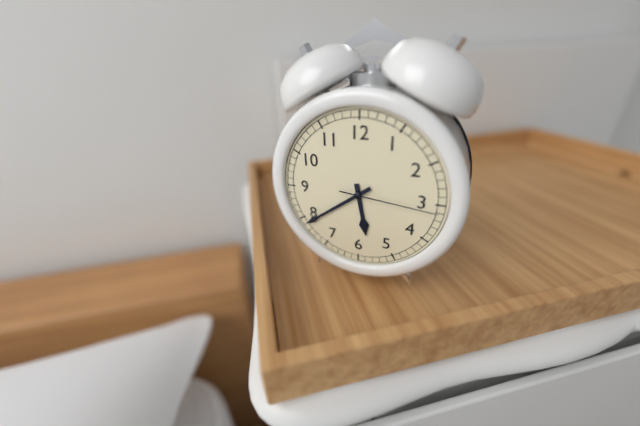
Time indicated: 5:39:16
